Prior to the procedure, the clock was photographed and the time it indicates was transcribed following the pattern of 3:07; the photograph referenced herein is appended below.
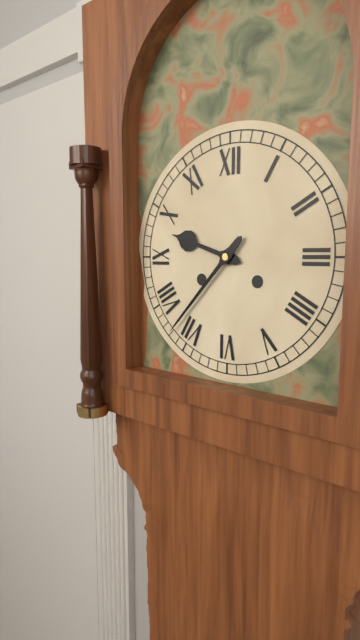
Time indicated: 9:37
